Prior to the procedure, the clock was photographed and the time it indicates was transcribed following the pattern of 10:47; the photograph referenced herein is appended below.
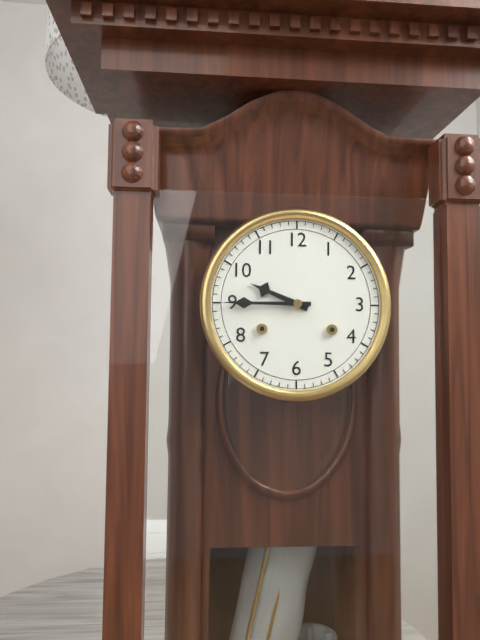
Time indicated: 9:45
